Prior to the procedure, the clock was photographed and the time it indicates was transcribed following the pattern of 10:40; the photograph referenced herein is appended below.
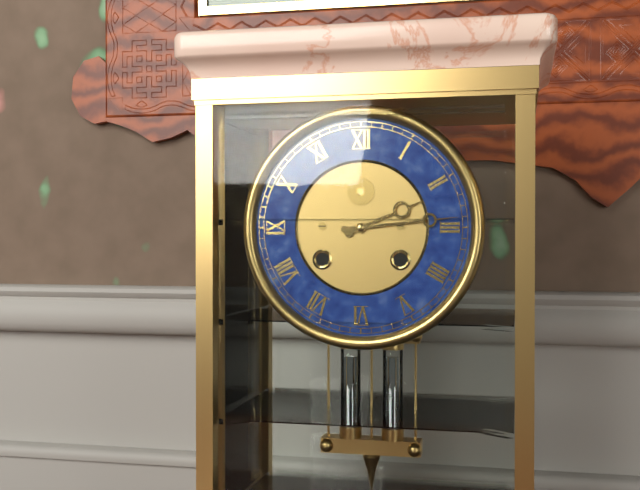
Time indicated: 2:14
